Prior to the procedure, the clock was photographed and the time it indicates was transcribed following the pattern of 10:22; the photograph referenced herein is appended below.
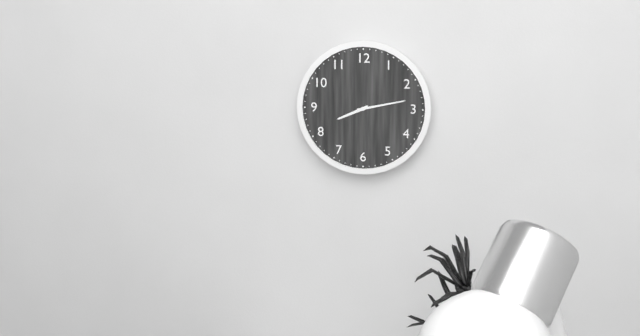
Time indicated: 8:13
